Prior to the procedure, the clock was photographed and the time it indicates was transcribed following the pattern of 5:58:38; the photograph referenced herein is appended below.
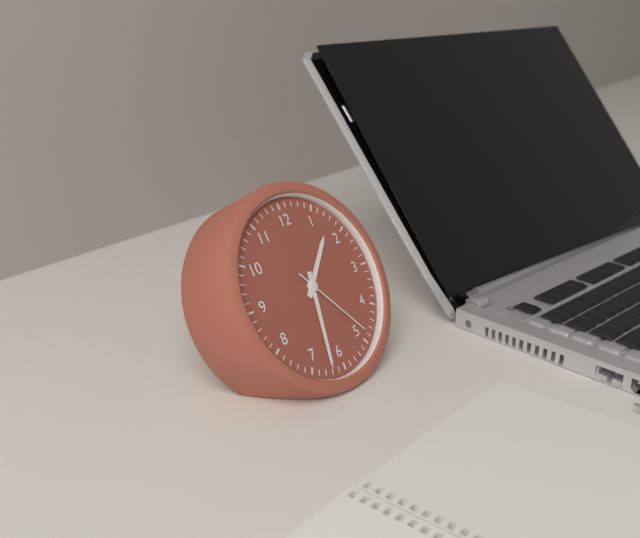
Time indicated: 1:32:24
